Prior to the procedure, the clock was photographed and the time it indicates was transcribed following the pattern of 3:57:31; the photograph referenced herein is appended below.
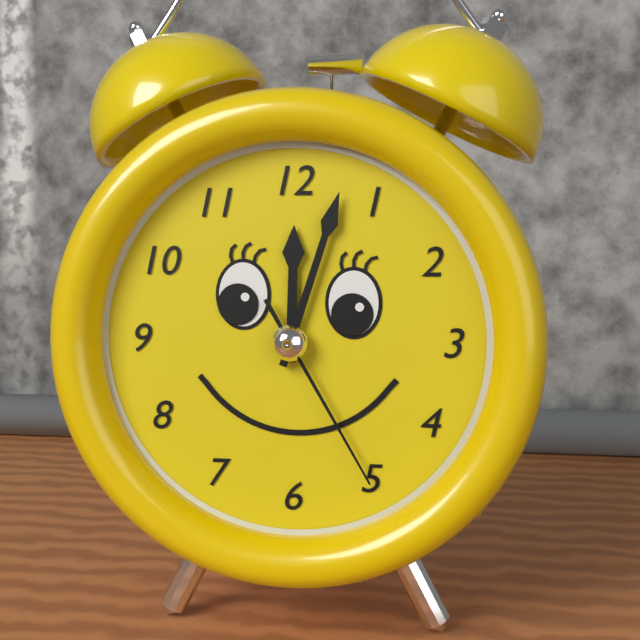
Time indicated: 12:03:25
